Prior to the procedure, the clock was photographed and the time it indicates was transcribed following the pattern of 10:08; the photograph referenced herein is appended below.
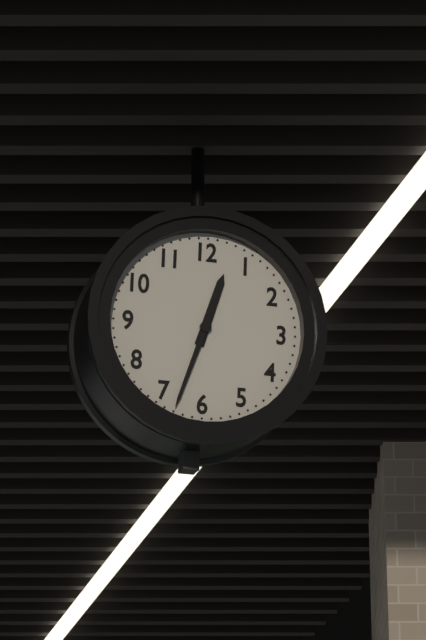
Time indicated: 12:33
